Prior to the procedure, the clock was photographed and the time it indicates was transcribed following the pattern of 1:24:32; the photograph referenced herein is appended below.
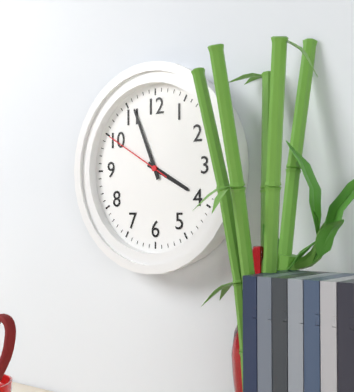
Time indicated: 3:56:50
